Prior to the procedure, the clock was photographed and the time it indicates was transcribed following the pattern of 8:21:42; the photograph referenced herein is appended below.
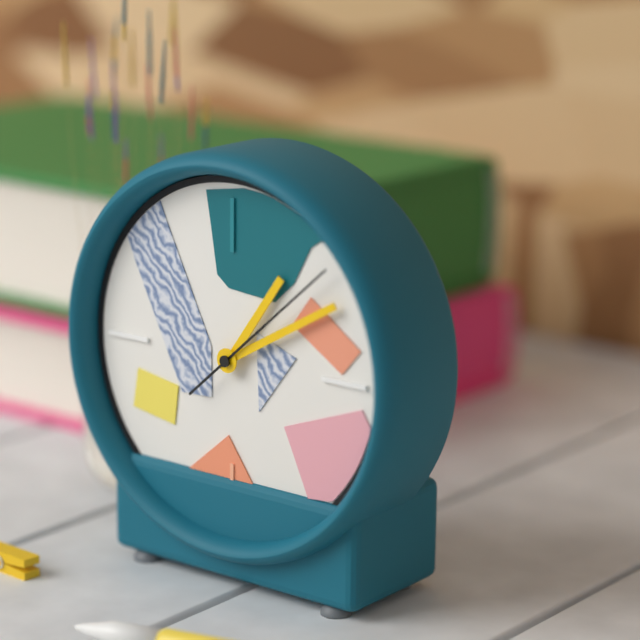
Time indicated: 1:10:08
